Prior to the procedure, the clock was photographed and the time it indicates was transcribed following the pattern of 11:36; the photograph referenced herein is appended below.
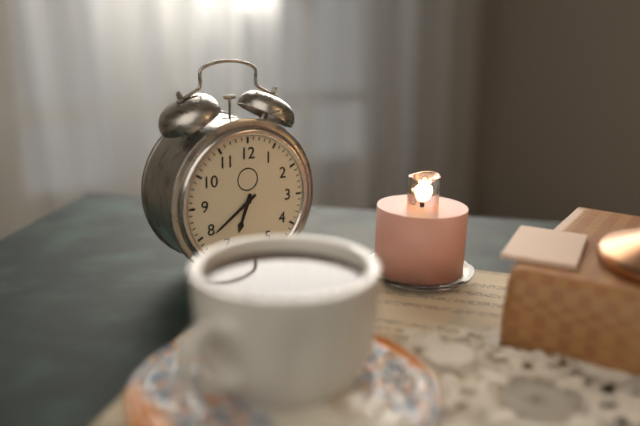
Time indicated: 6:39
